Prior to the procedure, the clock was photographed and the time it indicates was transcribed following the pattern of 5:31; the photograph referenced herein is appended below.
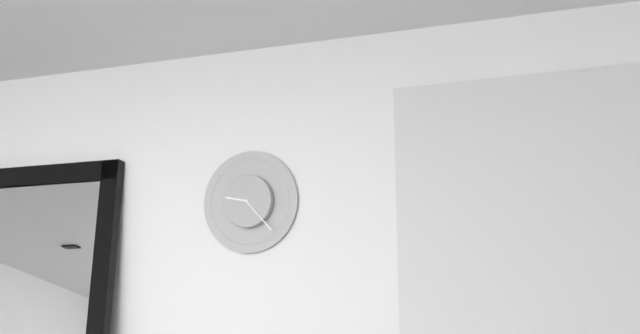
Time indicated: 9:23
